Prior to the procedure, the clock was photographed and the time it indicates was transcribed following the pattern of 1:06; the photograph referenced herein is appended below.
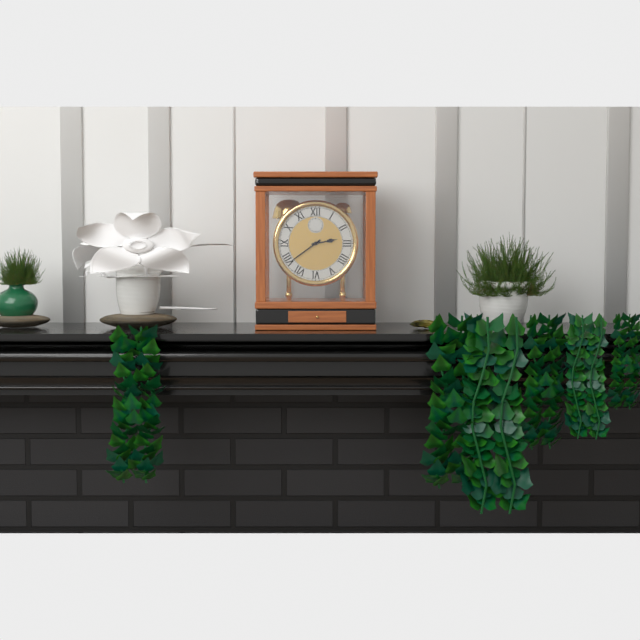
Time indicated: 2:39
